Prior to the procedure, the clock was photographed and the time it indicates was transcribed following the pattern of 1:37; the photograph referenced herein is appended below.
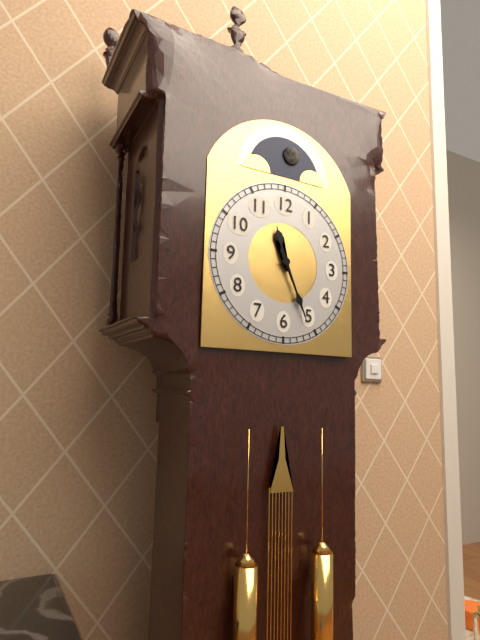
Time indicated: 11:26
